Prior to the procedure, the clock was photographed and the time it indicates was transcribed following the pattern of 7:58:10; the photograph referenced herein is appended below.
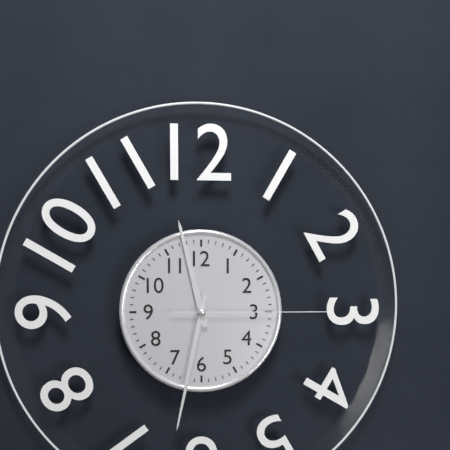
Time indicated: 11:32:15
